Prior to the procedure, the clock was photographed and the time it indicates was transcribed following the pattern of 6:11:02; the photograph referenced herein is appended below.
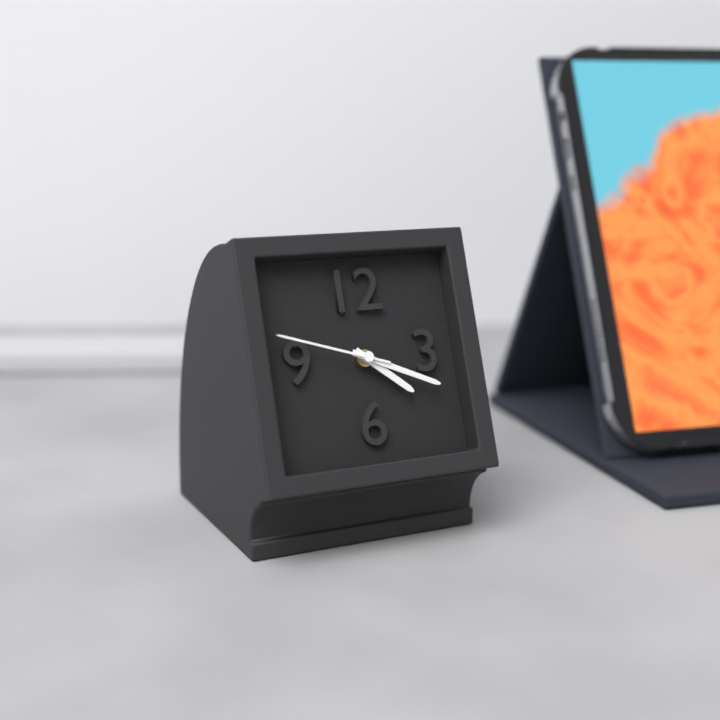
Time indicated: 4:19:48
